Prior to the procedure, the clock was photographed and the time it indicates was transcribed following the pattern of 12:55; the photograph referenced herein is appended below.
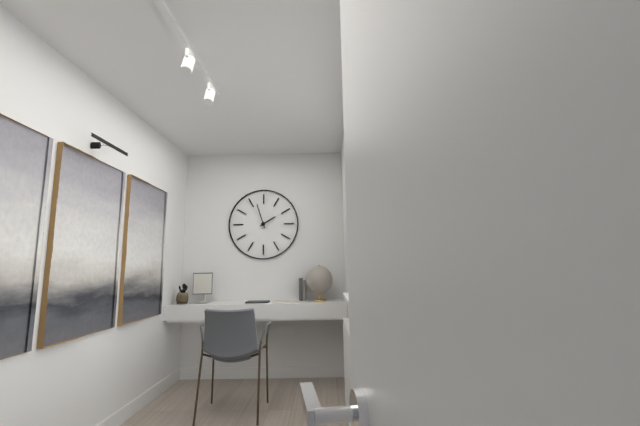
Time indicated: 1:57
